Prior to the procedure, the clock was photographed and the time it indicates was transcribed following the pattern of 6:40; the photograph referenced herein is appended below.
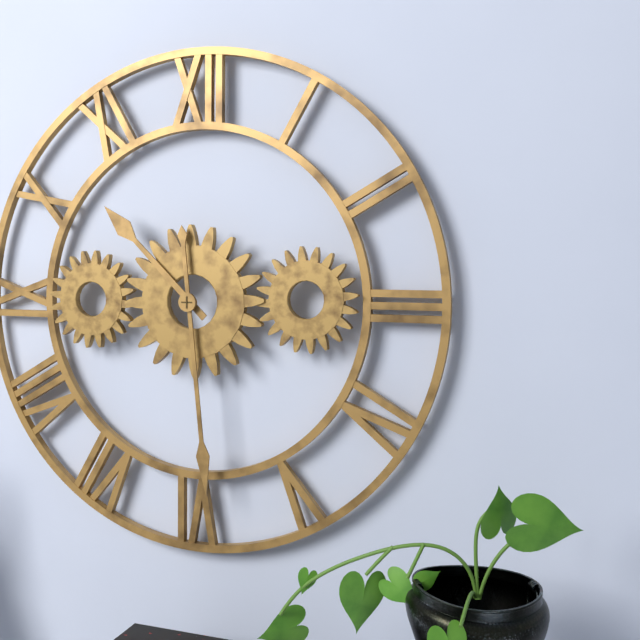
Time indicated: 10:29
